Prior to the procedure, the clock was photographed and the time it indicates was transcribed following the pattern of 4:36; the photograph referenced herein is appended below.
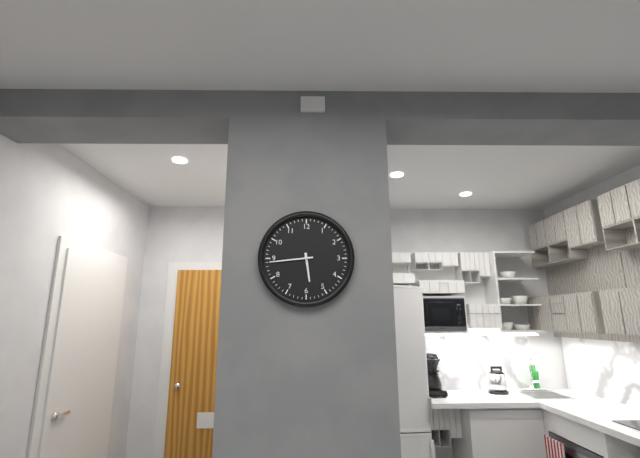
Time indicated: 5:44
